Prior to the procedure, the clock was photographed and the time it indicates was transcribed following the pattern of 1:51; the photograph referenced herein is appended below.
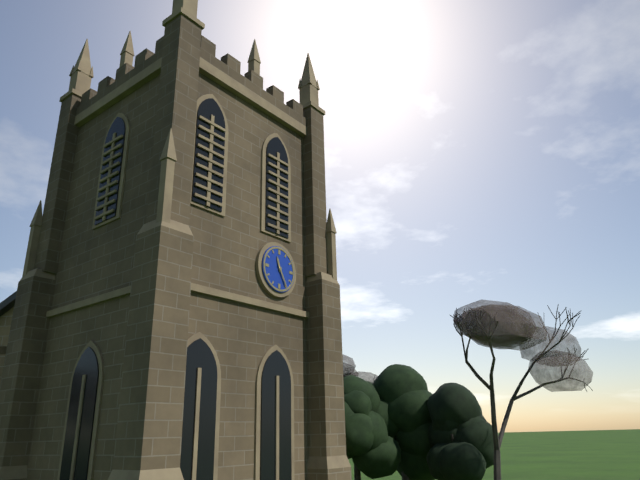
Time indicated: 11:25
